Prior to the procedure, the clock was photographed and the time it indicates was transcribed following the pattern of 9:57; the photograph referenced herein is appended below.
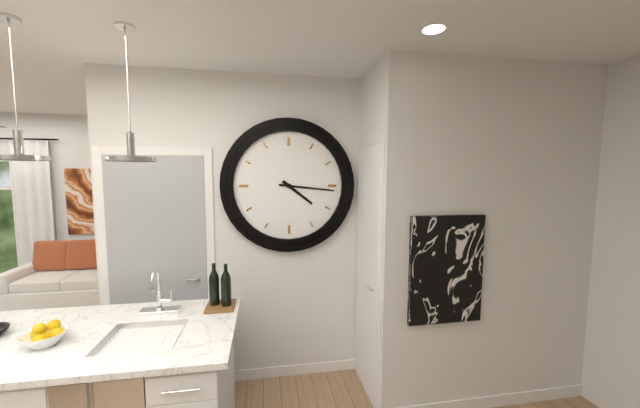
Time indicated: 4:16
